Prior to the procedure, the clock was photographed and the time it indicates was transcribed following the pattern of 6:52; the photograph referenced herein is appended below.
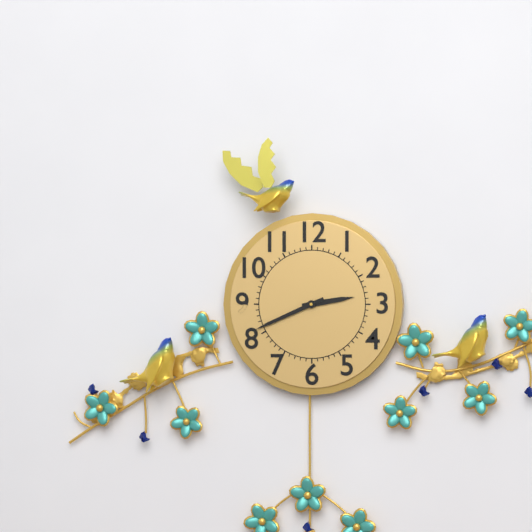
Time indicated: 2:41
